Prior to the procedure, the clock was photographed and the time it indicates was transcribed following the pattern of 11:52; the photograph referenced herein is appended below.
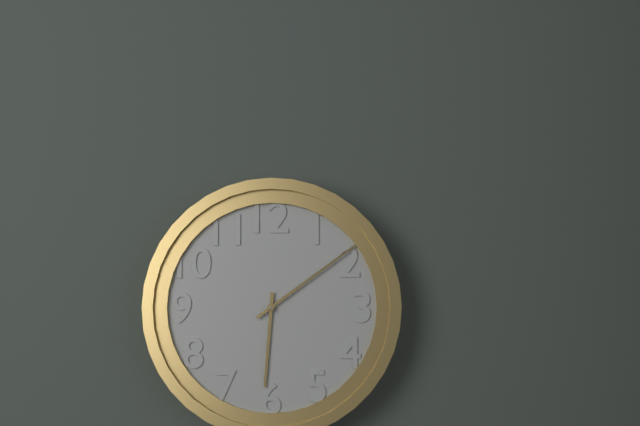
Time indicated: 6:09
